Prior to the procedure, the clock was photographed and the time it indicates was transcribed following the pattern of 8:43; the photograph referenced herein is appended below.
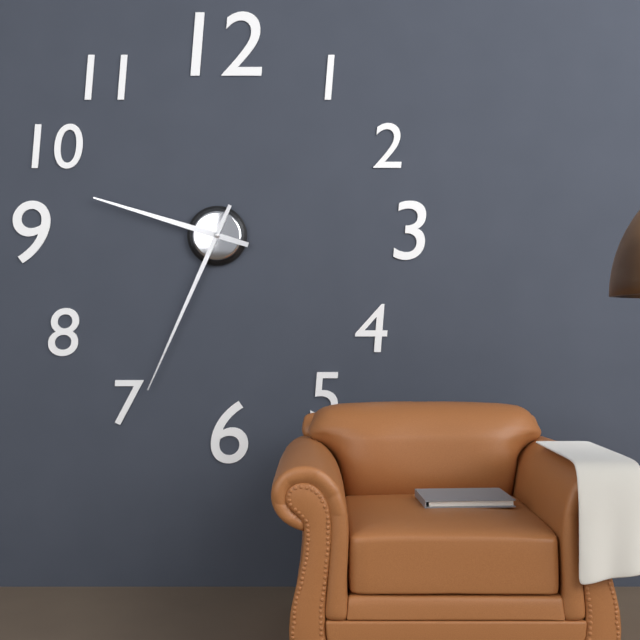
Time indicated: 9:34
